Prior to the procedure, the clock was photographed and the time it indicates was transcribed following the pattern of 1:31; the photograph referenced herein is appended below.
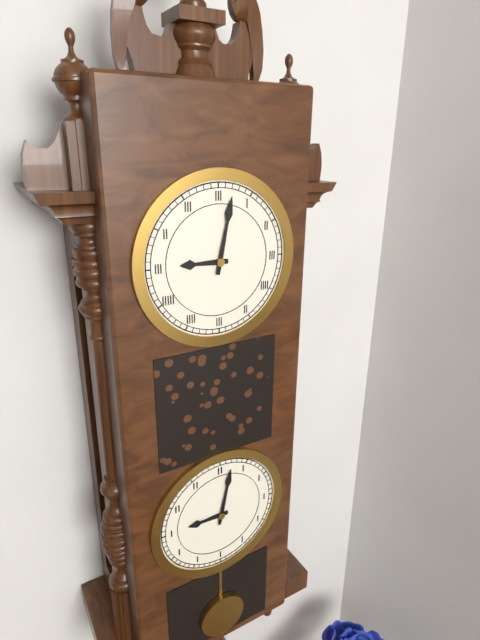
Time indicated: 9:02
